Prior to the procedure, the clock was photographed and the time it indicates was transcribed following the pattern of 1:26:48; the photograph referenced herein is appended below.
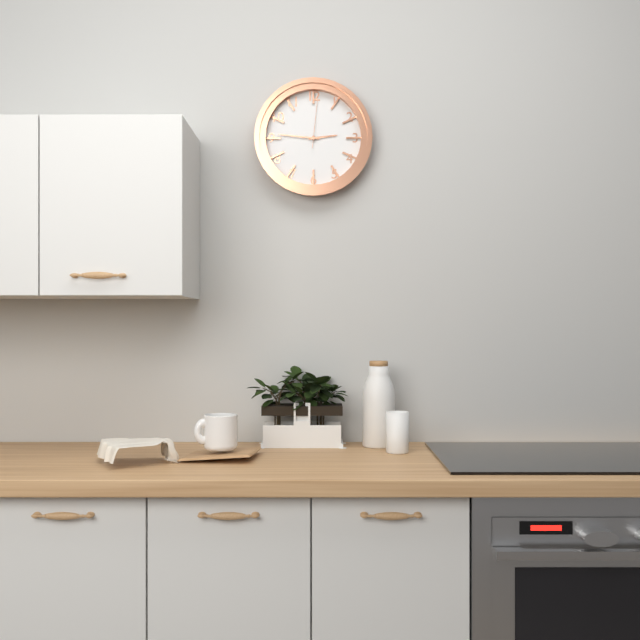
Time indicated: 2:46:01
